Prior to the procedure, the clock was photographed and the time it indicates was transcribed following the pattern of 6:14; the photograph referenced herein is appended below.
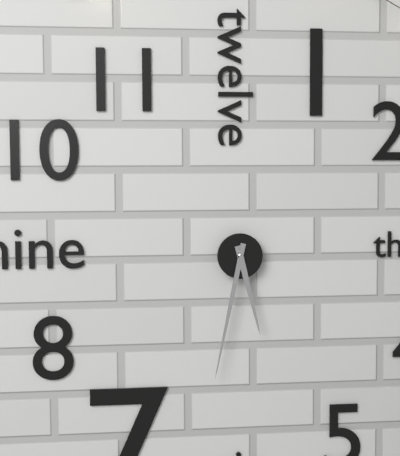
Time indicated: 5:32
